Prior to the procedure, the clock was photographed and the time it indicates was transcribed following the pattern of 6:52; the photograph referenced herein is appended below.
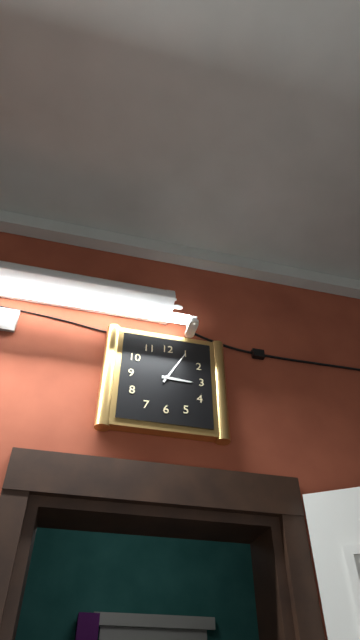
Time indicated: 3:05
